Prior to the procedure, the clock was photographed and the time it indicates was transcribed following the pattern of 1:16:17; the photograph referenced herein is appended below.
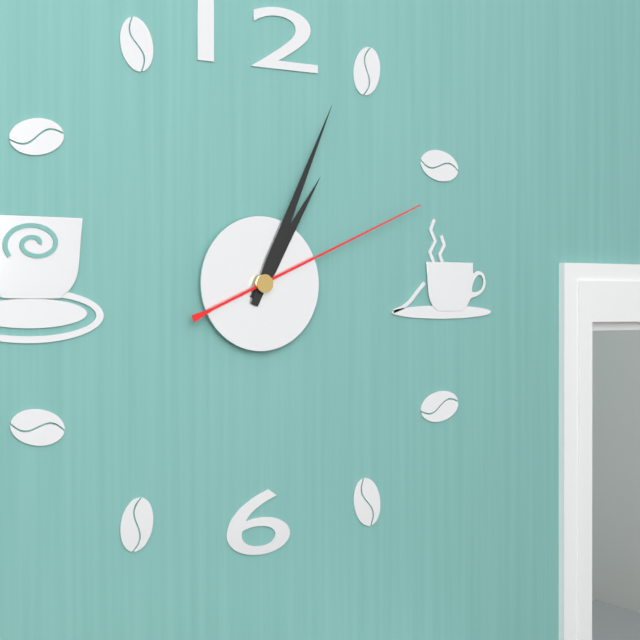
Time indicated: 1:04:11
